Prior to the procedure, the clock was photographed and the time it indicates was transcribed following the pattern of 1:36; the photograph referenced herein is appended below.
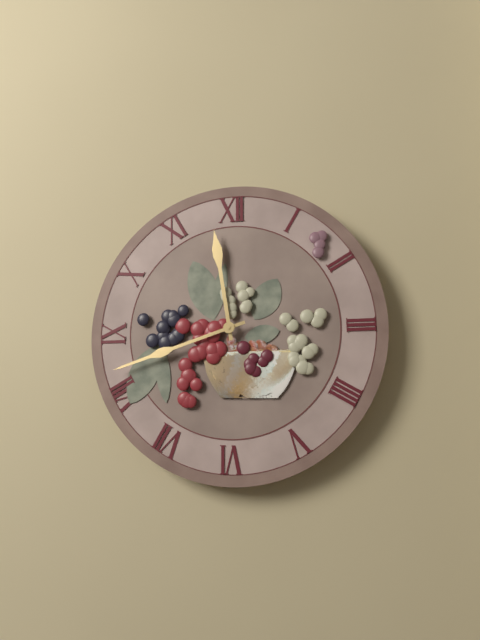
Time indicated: 11:42
